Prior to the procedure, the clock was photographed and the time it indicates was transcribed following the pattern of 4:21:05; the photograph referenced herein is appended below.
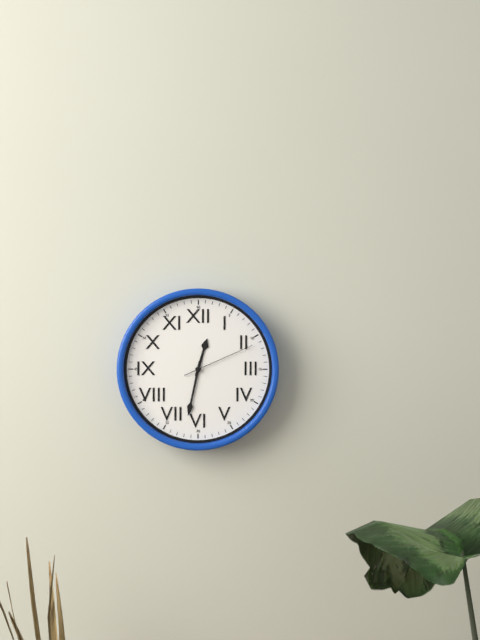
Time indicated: 12:32:11
